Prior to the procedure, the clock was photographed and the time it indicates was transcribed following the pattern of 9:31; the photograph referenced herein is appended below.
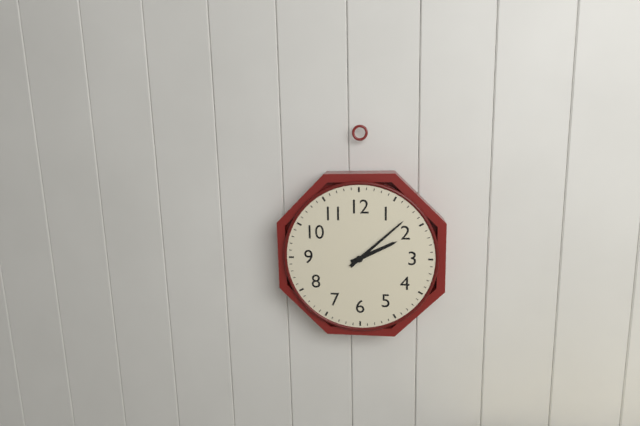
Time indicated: 2:08
